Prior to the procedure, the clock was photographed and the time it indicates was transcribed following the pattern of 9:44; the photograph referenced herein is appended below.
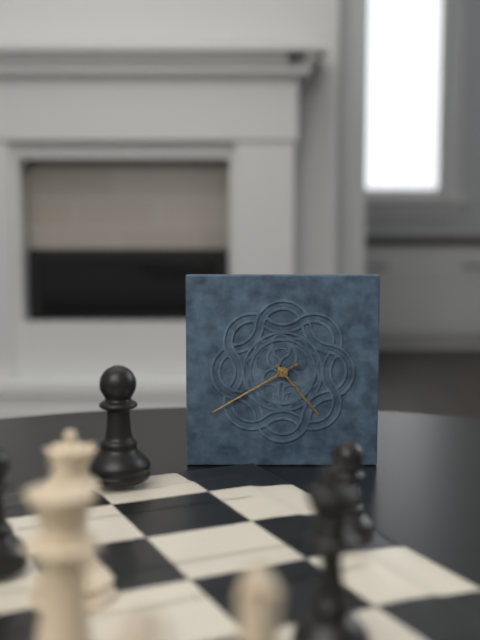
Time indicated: 4:40
